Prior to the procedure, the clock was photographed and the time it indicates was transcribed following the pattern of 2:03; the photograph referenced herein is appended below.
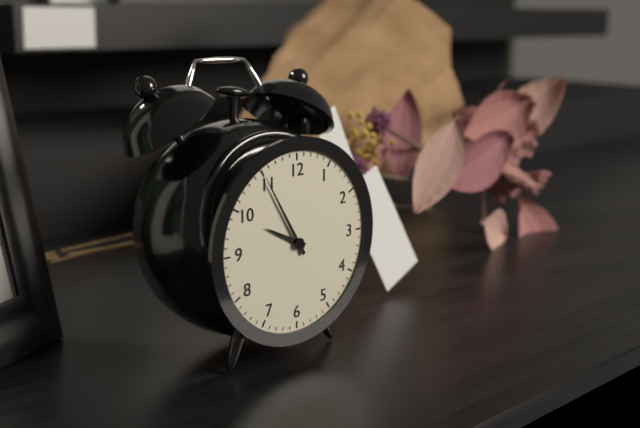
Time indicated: 9:55
